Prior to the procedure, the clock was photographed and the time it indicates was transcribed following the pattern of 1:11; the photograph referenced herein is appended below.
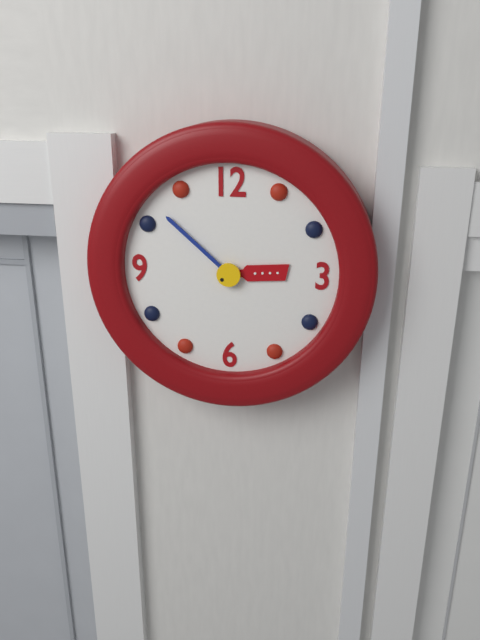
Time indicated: 2:52
